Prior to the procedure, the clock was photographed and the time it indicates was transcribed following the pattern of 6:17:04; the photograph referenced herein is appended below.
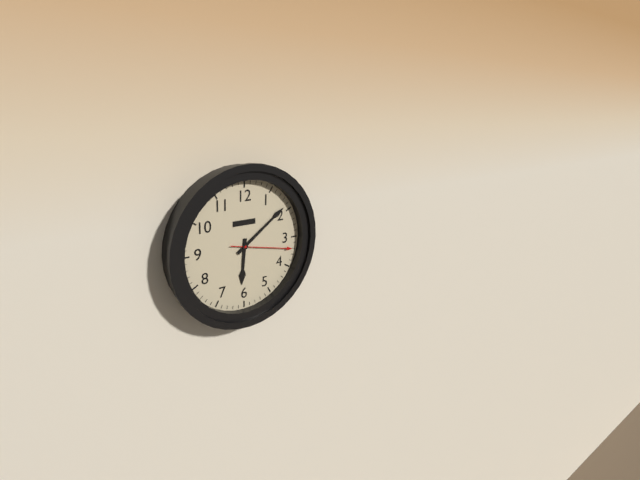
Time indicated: 6:09:17
